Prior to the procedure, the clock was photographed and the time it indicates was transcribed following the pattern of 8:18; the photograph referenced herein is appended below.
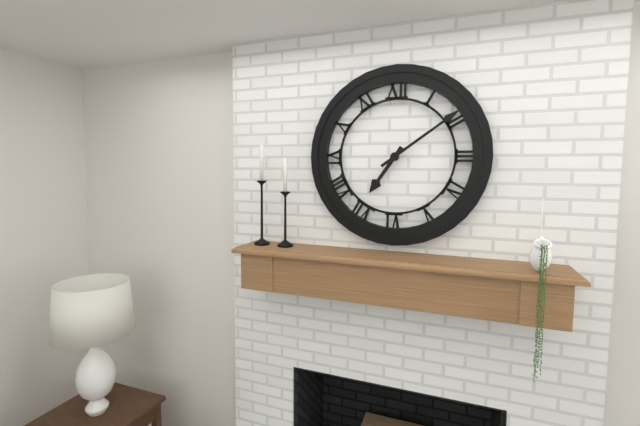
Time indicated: 7:09
